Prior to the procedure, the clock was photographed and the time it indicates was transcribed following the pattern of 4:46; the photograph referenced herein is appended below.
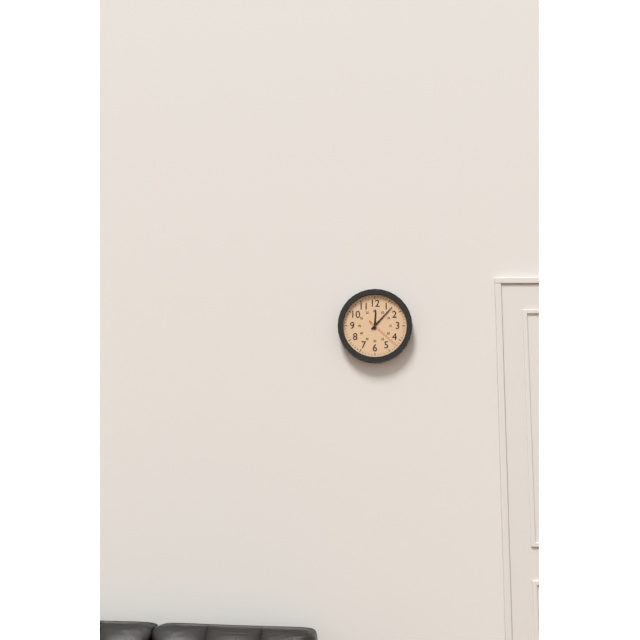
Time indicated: 12:07
